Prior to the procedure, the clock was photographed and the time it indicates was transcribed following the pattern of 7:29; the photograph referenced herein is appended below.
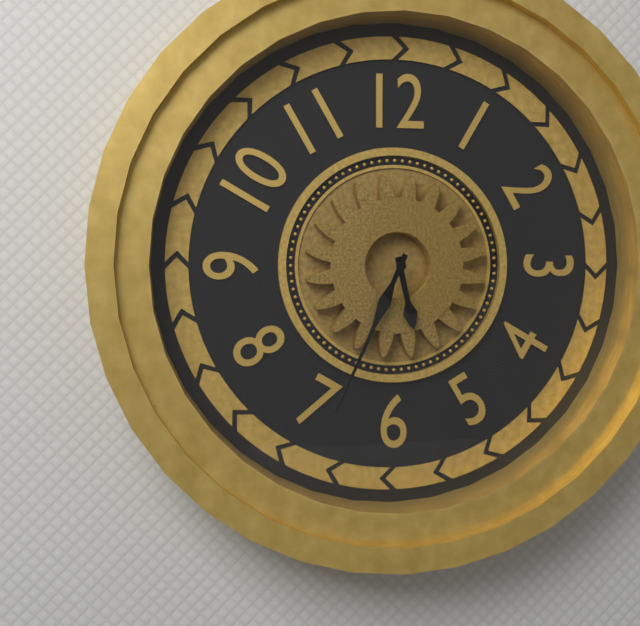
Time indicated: 5:34
